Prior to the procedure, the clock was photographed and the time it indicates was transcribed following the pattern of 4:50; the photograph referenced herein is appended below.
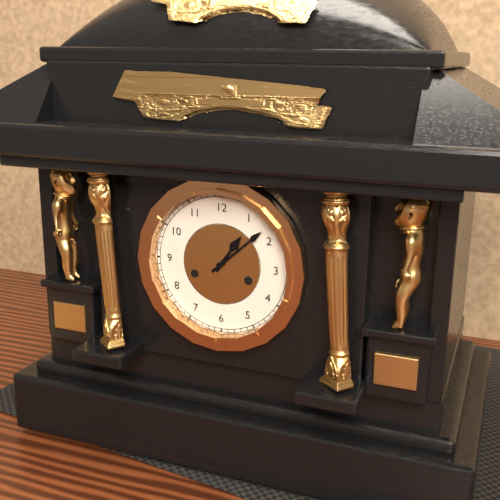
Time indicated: 1:08
